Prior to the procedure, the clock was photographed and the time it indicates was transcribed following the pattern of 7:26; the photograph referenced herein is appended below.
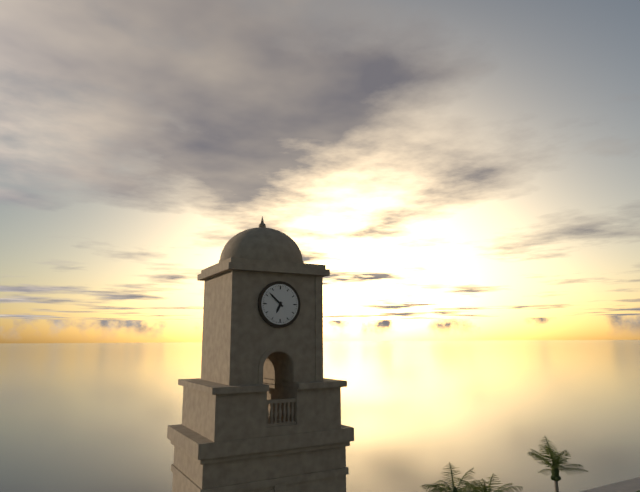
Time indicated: 6:52
